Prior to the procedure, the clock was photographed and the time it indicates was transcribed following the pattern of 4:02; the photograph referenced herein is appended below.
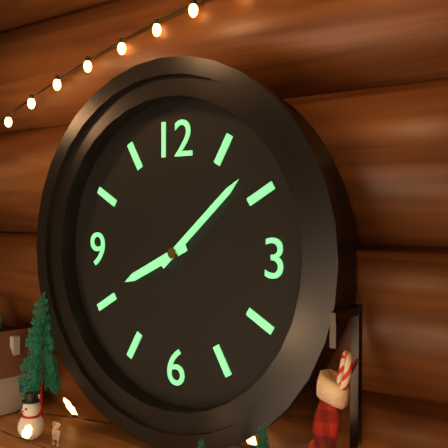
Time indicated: 8:08
